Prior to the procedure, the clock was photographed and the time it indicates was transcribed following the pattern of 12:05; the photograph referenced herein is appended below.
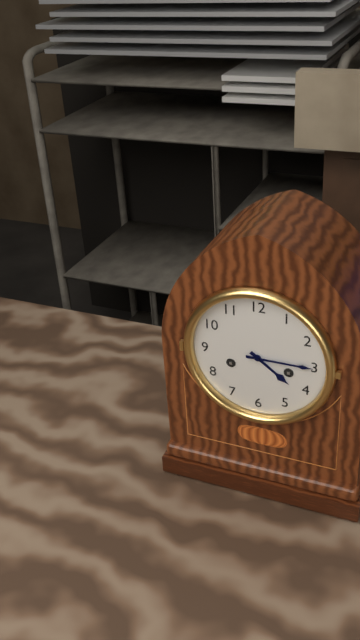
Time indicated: 4:15
